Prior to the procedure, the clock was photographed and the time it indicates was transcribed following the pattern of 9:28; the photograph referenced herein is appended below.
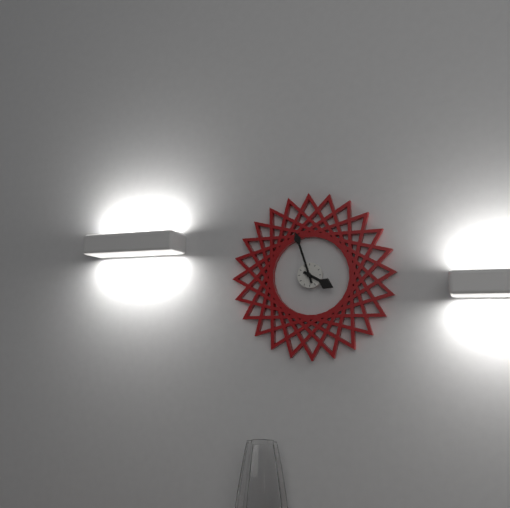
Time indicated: 3:57
